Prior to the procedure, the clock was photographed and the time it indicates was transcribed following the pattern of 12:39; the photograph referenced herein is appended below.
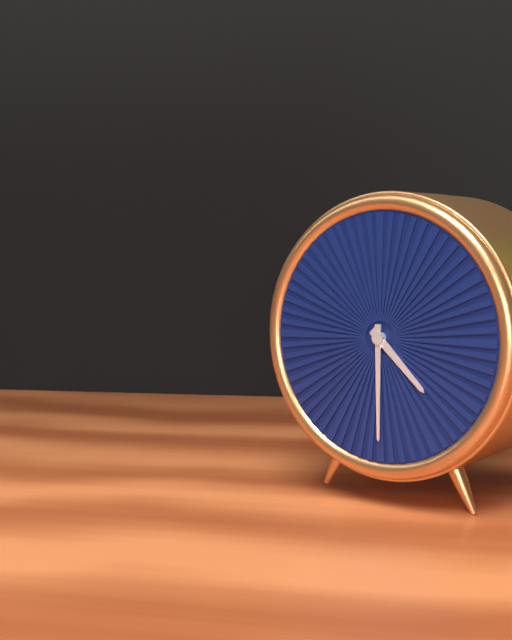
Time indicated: 4:30
